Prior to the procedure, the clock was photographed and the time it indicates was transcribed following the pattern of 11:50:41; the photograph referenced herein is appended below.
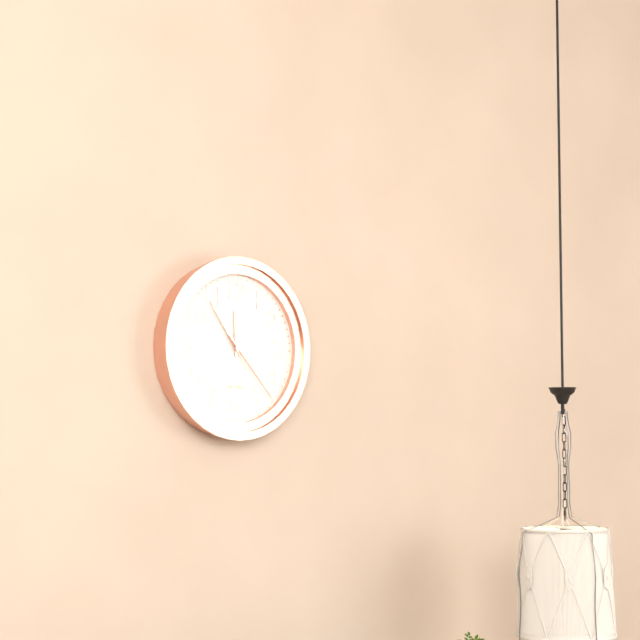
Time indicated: 11:54:23
